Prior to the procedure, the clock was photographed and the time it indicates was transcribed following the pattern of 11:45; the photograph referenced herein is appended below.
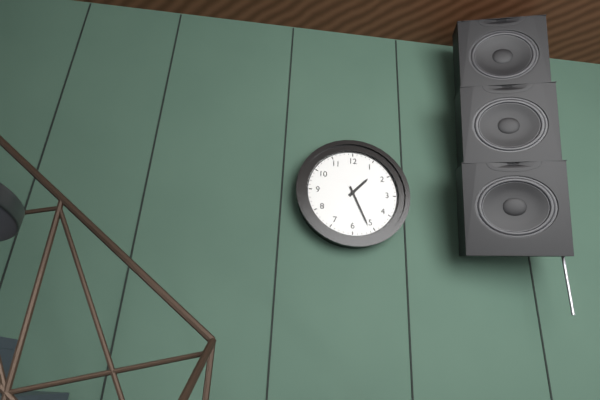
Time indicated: 1:26
